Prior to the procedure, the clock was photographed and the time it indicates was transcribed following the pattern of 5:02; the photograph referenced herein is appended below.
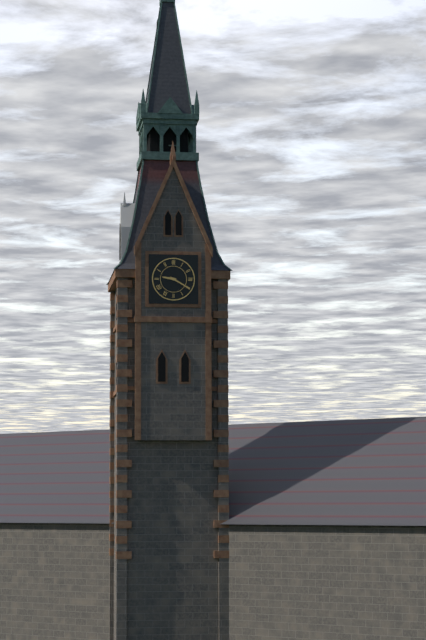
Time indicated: 9:20
